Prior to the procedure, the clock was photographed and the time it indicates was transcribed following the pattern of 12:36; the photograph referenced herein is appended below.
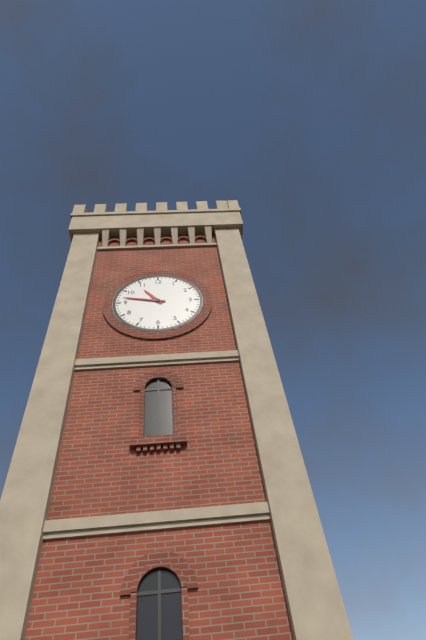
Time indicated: 10:47
